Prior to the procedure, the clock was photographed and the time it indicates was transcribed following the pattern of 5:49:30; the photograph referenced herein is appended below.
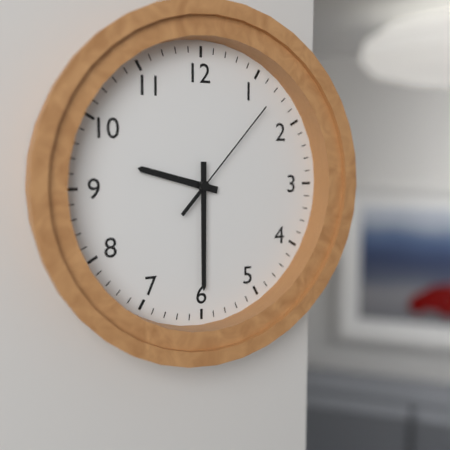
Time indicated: 9:30:07
